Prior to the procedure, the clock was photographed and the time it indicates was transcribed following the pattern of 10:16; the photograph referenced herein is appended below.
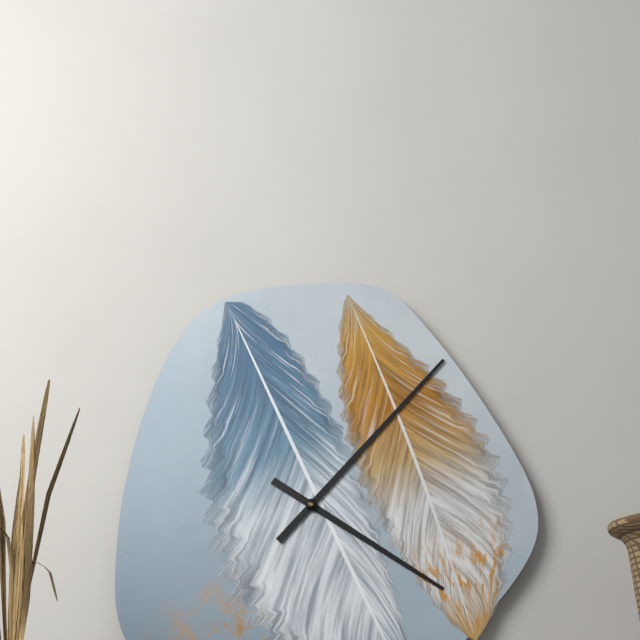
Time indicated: 4:07
